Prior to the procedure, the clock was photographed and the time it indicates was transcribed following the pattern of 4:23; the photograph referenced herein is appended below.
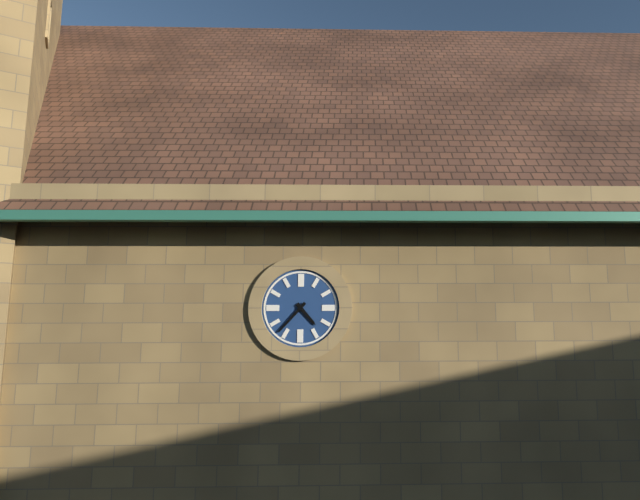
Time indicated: 4:37
